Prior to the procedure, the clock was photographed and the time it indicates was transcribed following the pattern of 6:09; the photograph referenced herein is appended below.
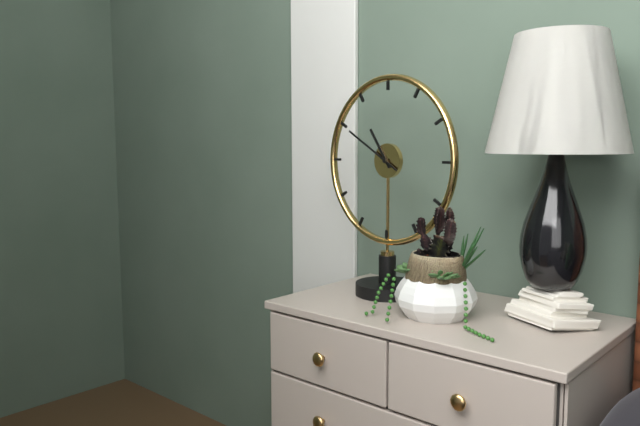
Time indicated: 10:50
